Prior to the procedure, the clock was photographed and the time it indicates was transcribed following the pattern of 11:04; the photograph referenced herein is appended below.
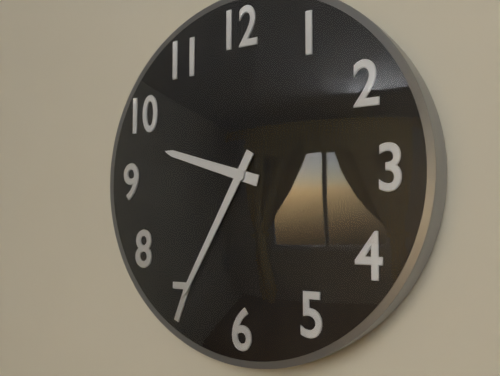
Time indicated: 9:35
